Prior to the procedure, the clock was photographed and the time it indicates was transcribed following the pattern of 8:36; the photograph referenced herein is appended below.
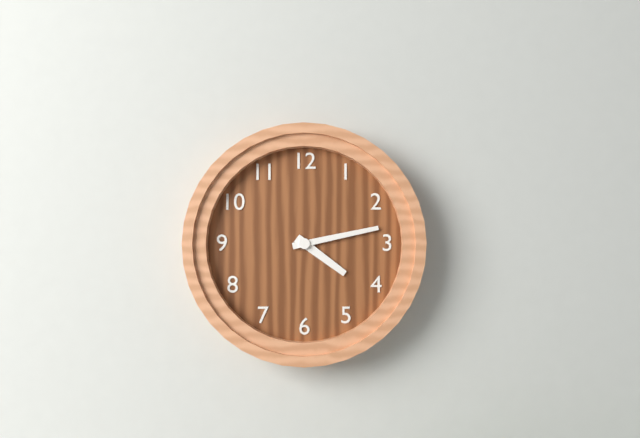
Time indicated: 4:13
